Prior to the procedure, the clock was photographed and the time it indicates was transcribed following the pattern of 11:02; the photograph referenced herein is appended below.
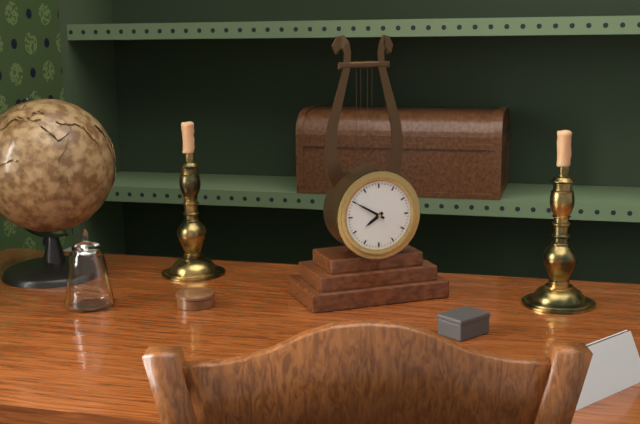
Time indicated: 7:50
